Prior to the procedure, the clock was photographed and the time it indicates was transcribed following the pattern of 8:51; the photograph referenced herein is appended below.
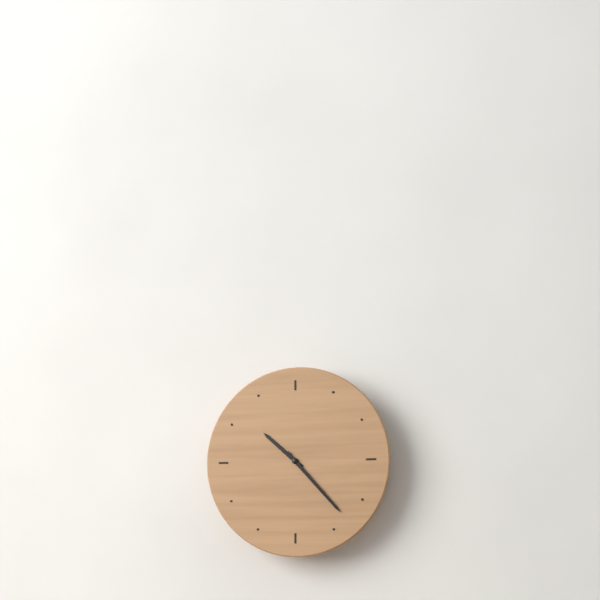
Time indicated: 10:23
